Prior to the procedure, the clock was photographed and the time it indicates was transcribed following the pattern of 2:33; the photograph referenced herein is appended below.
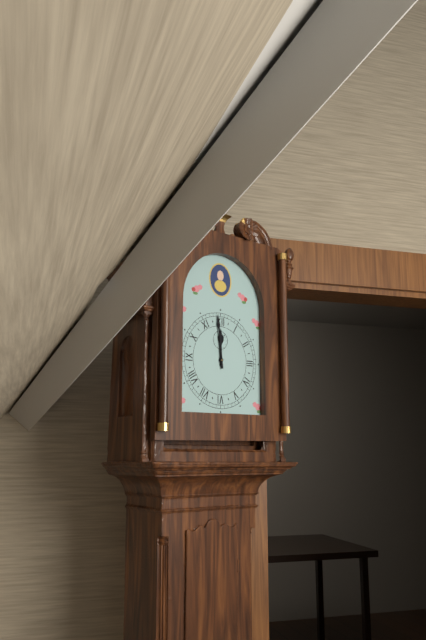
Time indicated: 11:59
